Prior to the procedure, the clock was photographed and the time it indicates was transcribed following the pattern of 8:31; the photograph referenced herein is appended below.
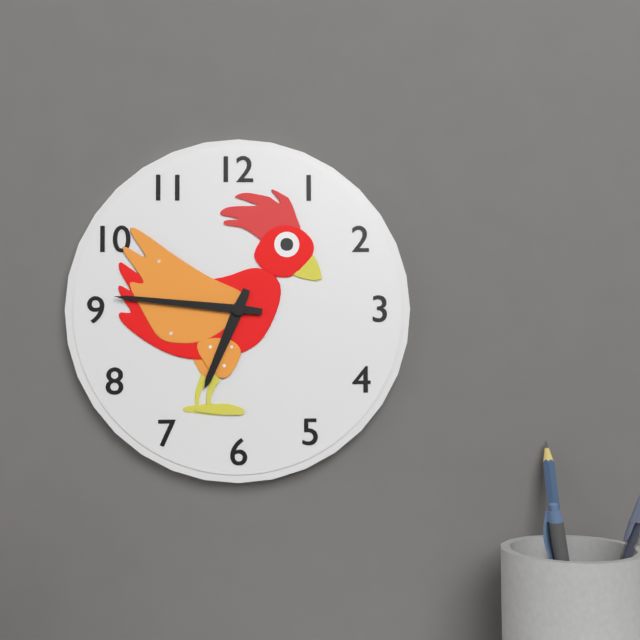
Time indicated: 6:46
